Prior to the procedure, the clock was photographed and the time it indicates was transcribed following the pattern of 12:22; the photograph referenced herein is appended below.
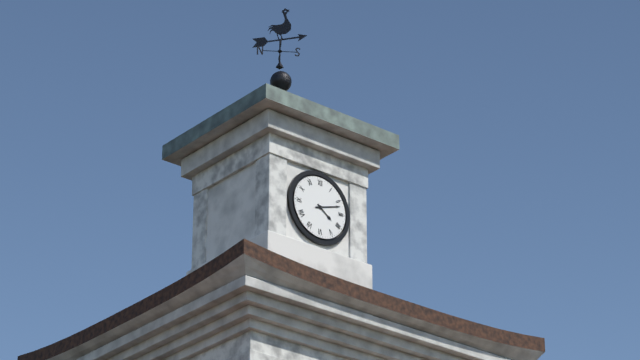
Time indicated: 4:12
